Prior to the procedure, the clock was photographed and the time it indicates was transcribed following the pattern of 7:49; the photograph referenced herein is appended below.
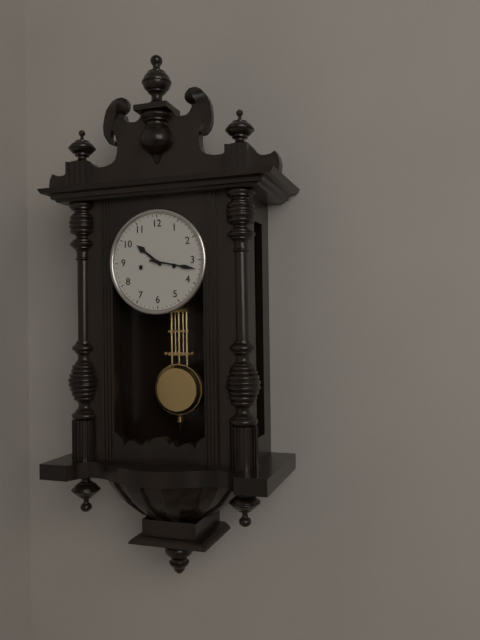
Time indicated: 10:17
